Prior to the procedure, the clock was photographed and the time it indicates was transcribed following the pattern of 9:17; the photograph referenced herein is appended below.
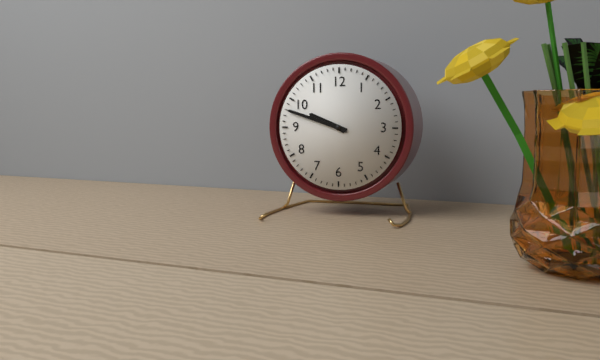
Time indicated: 9:48
